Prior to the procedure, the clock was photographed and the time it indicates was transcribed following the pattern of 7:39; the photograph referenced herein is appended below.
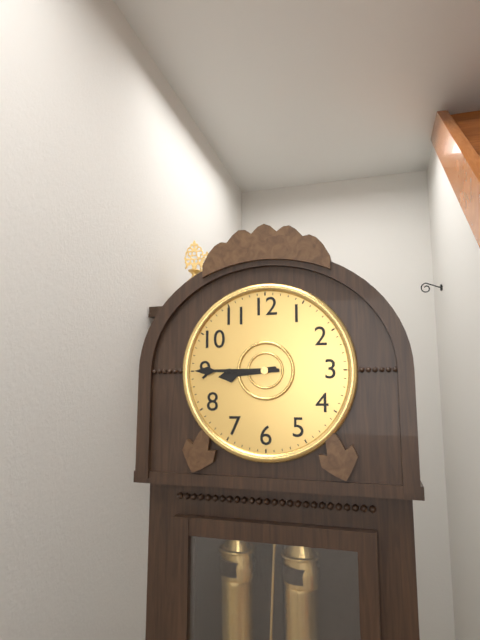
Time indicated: 8:45
